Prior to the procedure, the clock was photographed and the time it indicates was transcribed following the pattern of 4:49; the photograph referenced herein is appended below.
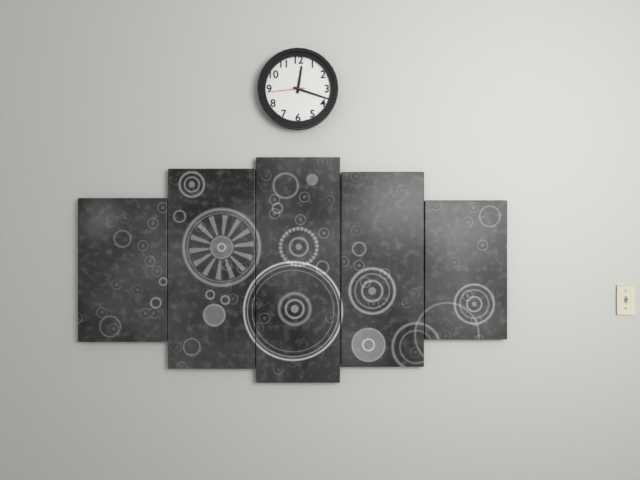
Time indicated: 12:18
